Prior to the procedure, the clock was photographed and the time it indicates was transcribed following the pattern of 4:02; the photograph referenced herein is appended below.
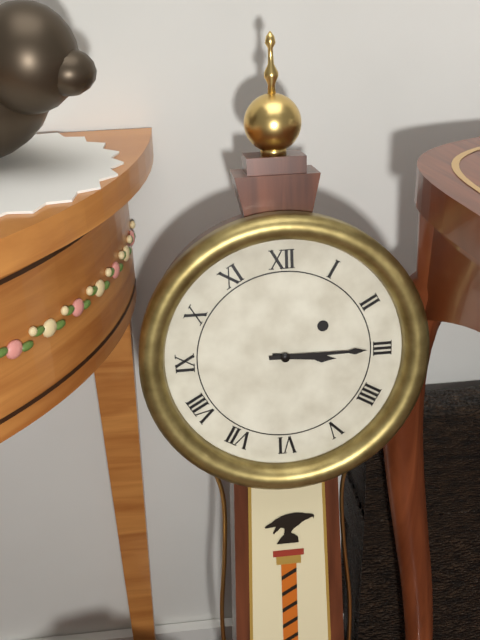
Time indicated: 3:15
